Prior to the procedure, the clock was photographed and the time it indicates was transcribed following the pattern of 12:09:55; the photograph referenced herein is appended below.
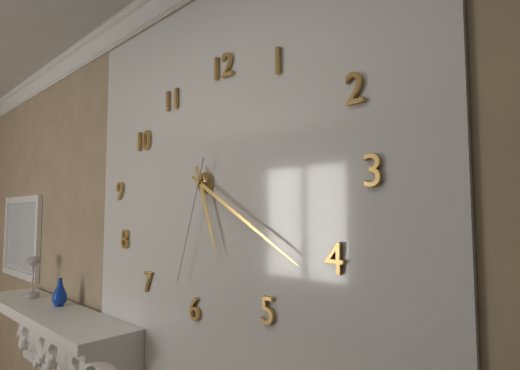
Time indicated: 5:20:33
